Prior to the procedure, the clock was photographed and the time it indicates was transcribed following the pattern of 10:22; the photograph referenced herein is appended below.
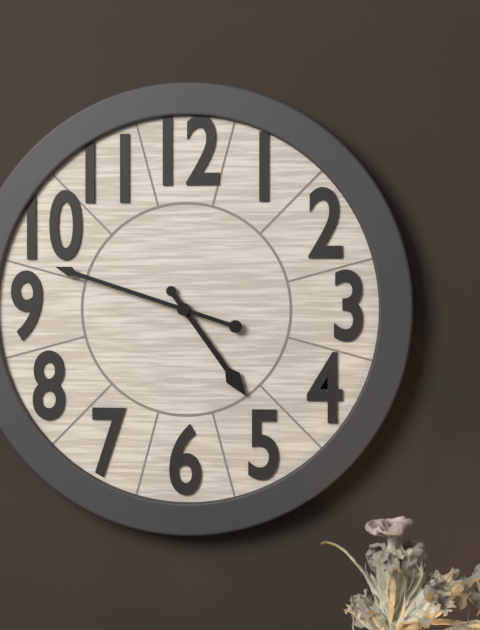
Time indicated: 4:48
